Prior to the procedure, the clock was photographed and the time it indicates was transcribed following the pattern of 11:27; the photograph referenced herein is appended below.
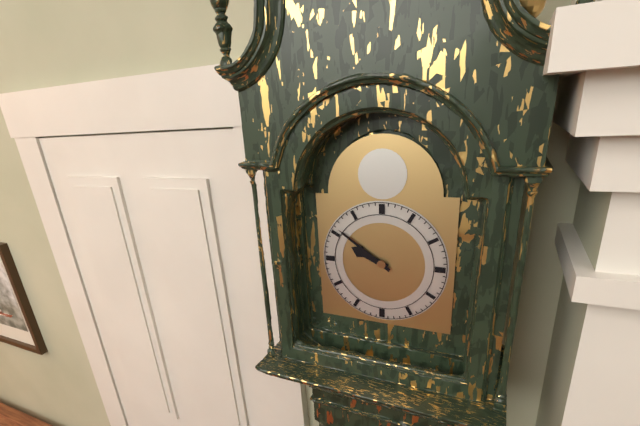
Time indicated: 9:51
